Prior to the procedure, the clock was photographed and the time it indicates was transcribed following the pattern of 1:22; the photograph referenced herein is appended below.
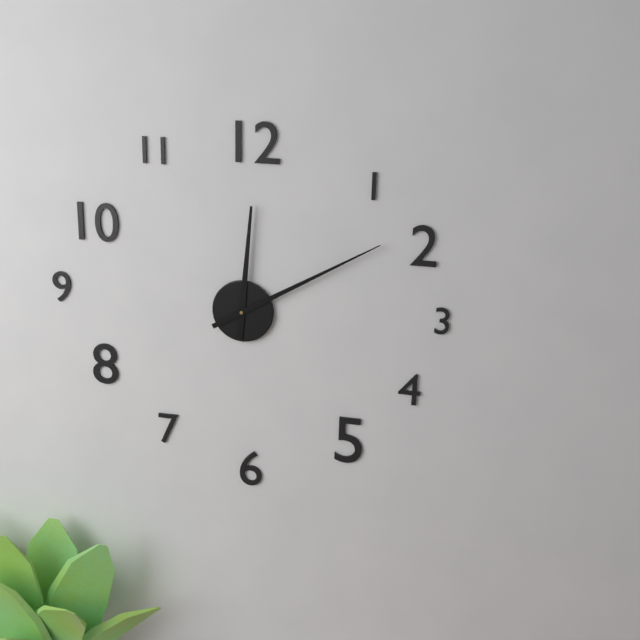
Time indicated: 12:10
